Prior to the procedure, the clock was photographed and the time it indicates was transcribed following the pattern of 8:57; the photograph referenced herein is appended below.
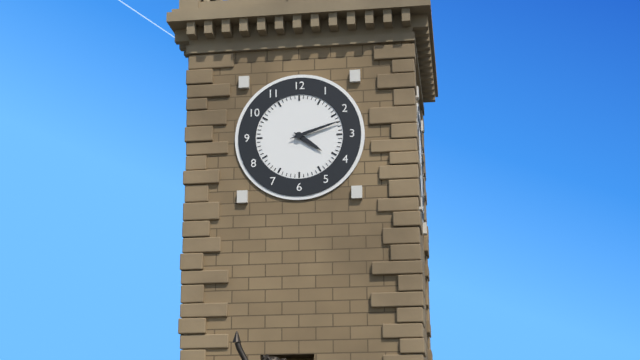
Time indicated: 4:12
